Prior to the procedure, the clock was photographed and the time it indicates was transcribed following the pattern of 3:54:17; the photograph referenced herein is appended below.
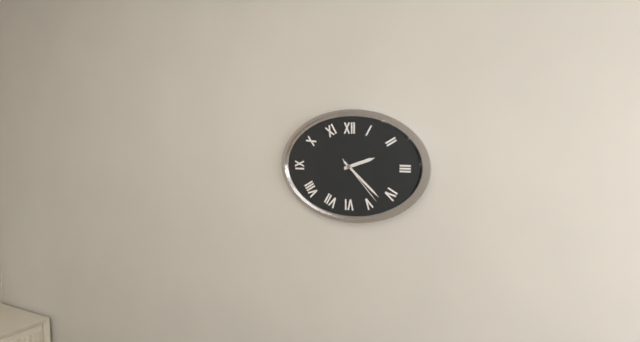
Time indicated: 2:22:23
